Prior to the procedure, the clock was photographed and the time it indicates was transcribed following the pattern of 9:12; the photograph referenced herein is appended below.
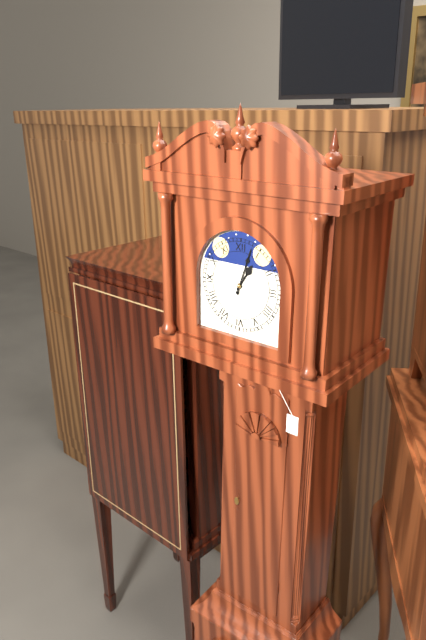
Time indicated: 1:03
